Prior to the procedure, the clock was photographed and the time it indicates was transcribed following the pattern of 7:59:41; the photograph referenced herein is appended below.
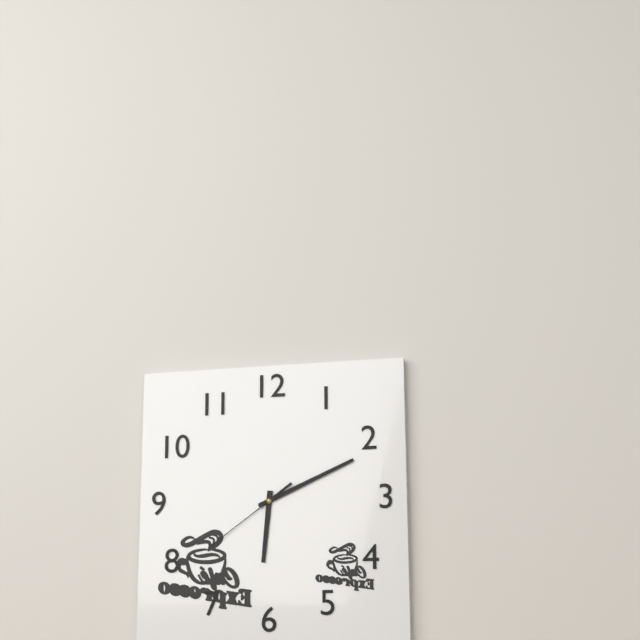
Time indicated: 6:11:39
